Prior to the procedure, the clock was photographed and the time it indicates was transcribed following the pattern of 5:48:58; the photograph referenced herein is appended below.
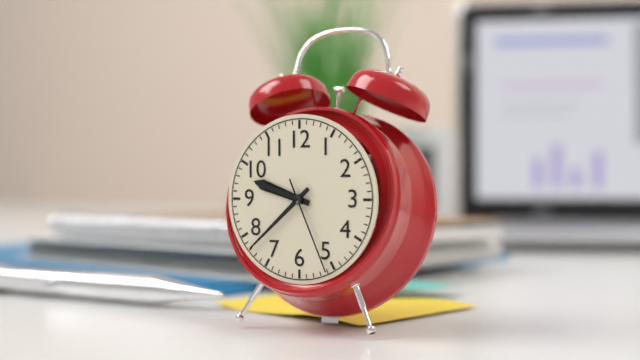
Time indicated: 9:38:26
